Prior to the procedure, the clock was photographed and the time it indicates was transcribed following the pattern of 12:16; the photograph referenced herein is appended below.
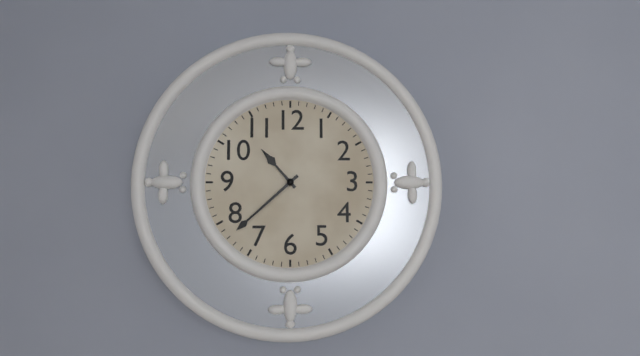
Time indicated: 10:38
